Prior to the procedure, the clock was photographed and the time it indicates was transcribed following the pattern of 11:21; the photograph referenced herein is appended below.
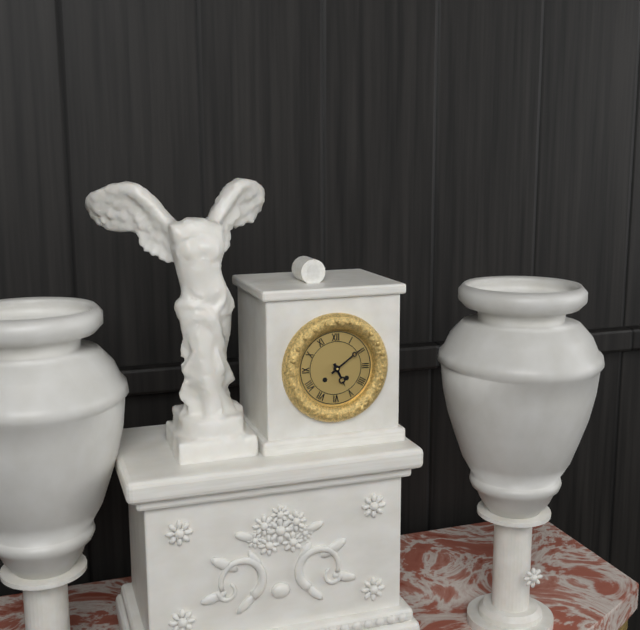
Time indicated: 5:09
